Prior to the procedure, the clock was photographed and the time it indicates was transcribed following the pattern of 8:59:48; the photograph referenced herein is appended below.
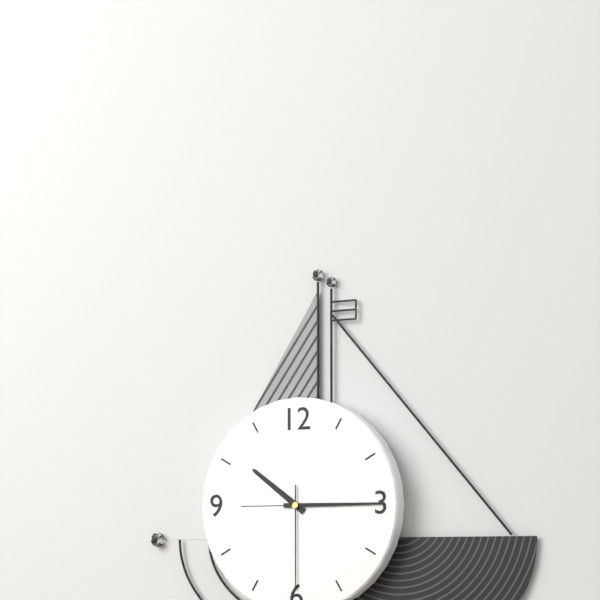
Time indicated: 10:15:30
